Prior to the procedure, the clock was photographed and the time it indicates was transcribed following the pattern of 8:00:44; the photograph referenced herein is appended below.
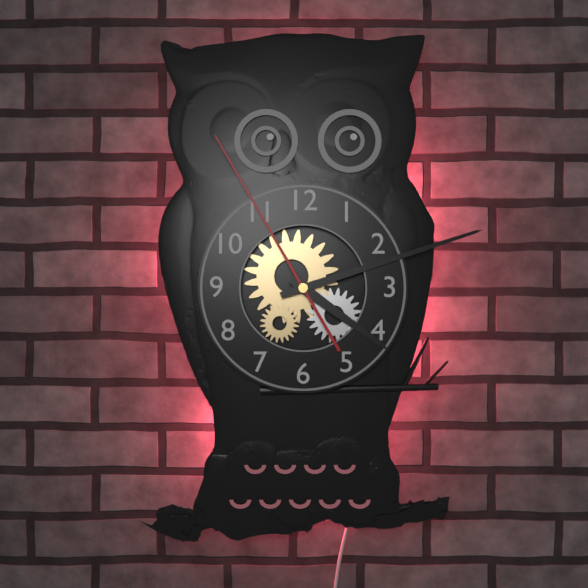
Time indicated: 4:12:55
